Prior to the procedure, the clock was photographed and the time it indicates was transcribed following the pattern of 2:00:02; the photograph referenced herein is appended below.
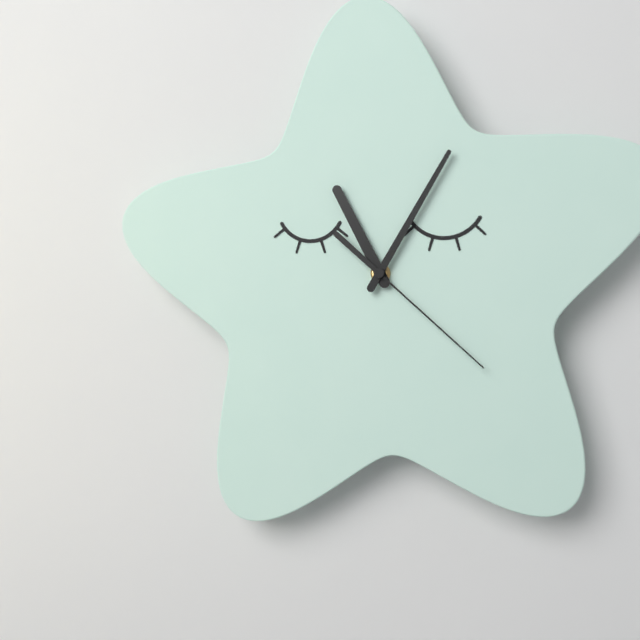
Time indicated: 11:05:22
